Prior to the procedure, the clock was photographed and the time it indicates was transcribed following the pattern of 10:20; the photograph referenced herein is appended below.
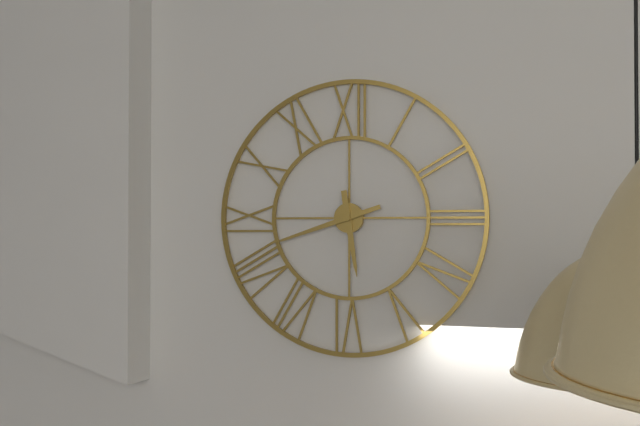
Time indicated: 5:42
